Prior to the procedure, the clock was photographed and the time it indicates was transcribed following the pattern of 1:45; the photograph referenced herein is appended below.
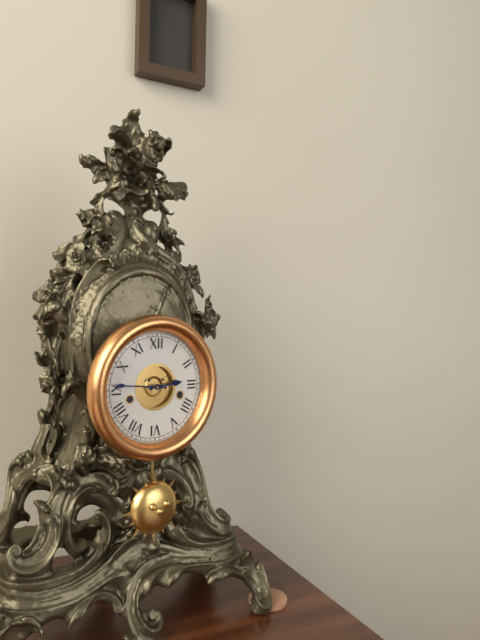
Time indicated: 2:46
